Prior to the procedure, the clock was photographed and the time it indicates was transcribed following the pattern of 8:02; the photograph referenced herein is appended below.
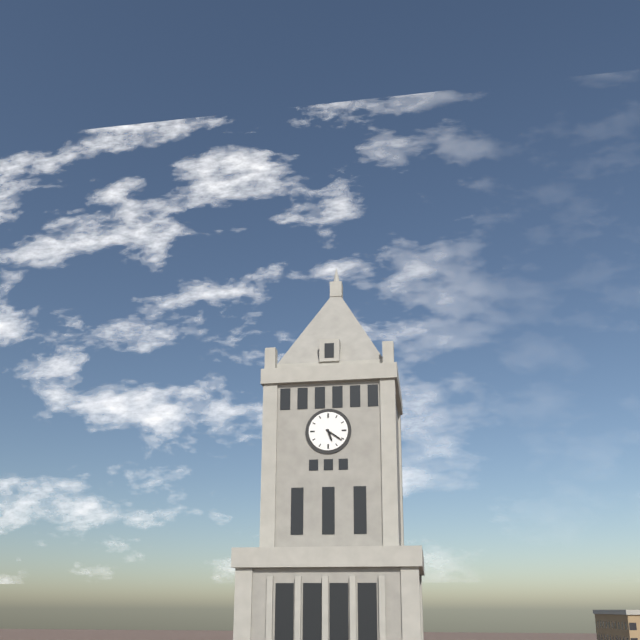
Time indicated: 5:21
